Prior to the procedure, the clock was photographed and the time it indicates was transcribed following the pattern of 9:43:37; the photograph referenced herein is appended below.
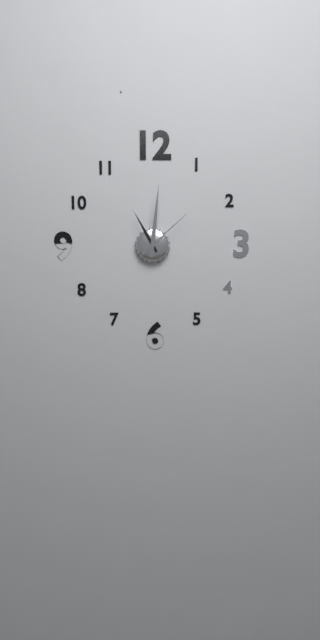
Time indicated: 11:01:08
